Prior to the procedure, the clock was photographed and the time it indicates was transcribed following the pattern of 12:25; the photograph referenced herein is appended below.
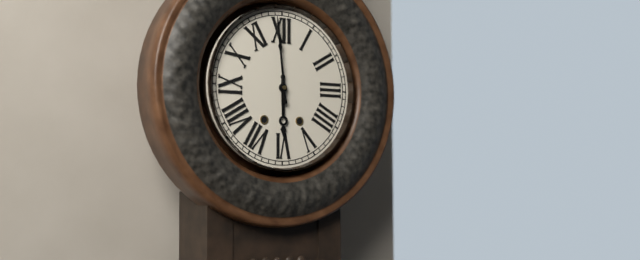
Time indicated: 5:59
